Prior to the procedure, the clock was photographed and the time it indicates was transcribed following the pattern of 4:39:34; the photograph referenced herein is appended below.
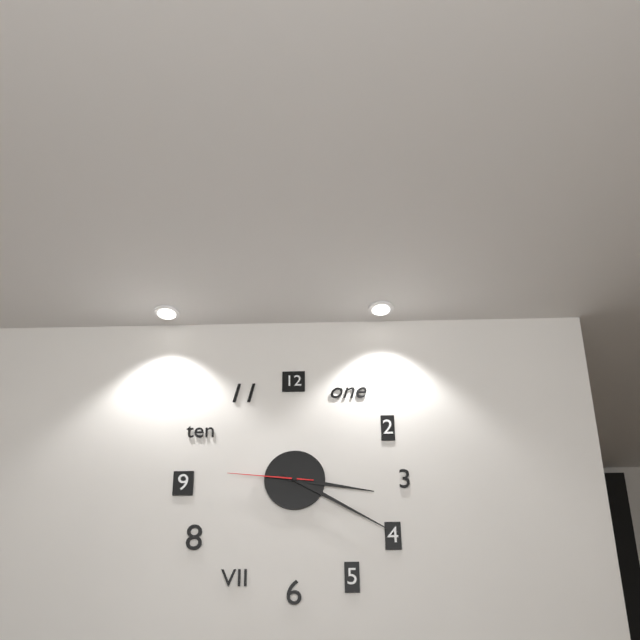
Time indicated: 3:20:46
